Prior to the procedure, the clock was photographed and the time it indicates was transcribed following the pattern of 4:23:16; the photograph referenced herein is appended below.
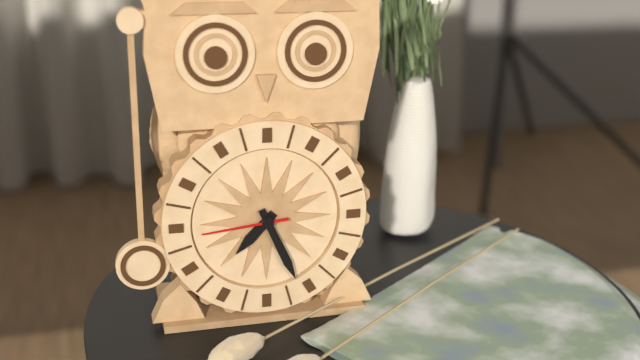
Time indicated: 7:26:44
